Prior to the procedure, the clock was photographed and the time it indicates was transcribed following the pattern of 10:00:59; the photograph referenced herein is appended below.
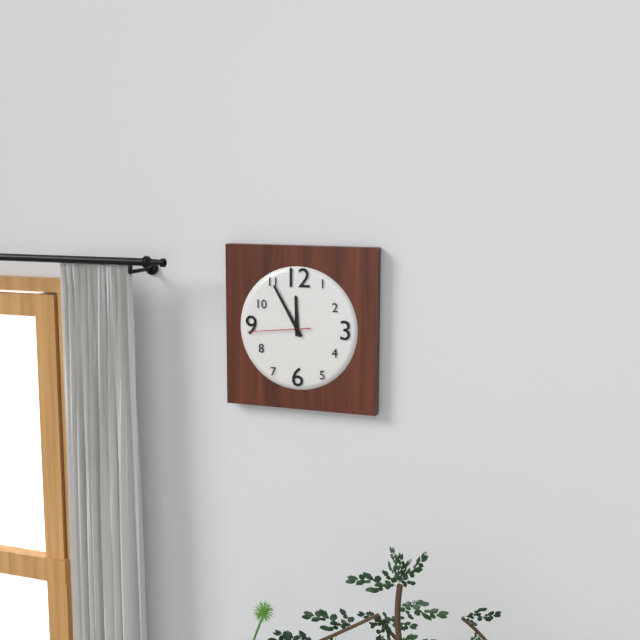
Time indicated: 11:55:44
